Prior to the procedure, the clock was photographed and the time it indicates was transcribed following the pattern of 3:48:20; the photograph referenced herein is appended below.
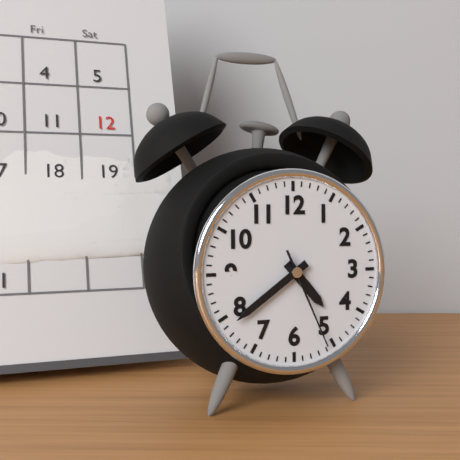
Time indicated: 4:39:26
